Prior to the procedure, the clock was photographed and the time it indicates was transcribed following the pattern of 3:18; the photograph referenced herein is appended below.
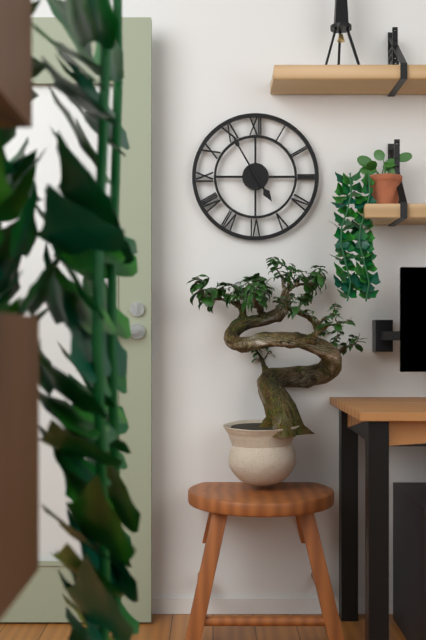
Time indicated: 4:55
